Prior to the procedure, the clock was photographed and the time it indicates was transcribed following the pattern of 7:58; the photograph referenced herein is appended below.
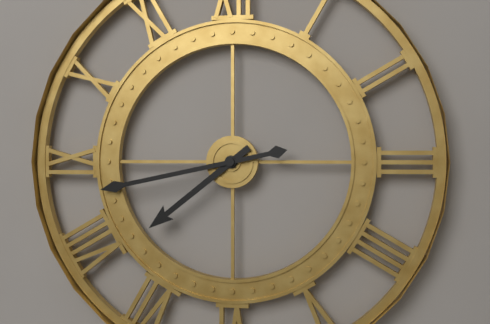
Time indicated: 7:43
